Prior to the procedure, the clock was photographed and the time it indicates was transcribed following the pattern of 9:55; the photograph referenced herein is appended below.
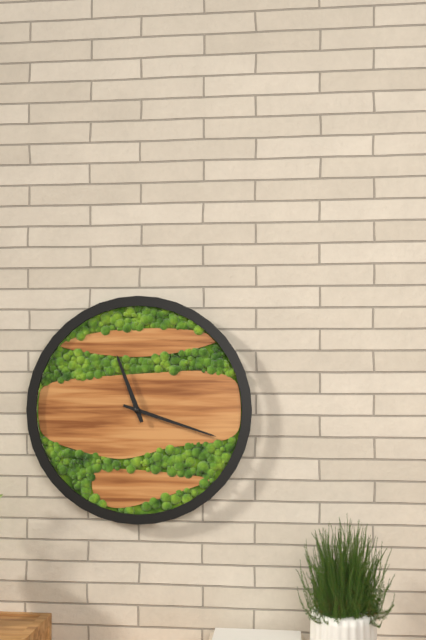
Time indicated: 11:18
